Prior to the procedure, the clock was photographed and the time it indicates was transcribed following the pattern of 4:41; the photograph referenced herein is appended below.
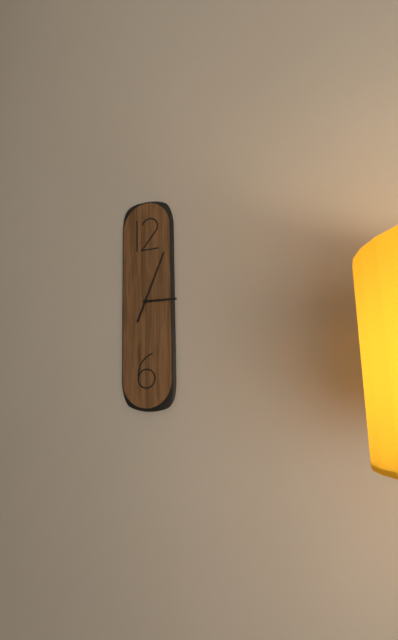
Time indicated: 3:04
